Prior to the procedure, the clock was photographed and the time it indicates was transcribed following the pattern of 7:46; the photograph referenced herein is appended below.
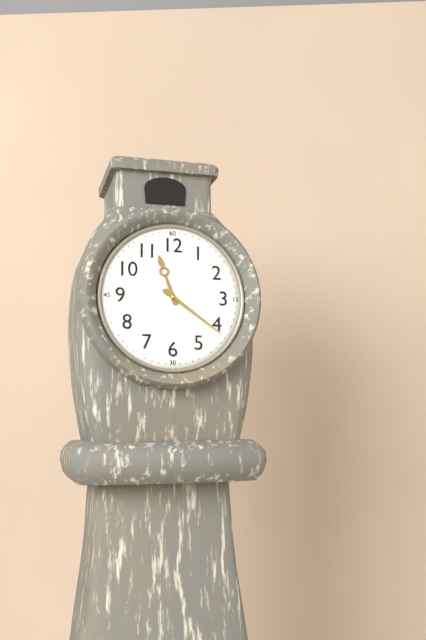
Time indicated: 11:21
